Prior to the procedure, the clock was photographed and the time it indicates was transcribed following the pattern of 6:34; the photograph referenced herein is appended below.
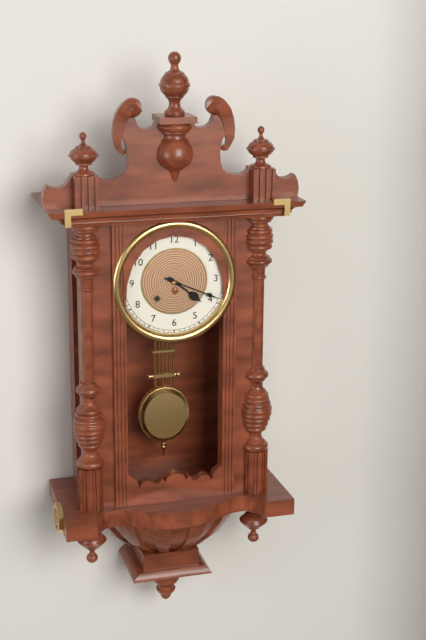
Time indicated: 4:19
